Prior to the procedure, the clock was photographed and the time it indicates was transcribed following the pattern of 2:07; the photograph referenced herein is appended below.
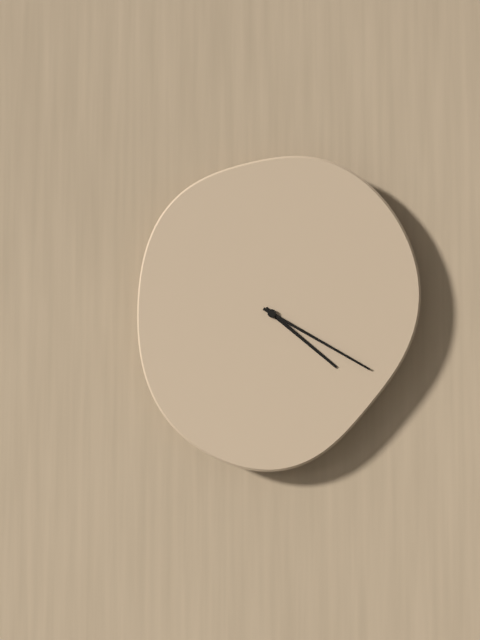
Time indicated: 4:20
